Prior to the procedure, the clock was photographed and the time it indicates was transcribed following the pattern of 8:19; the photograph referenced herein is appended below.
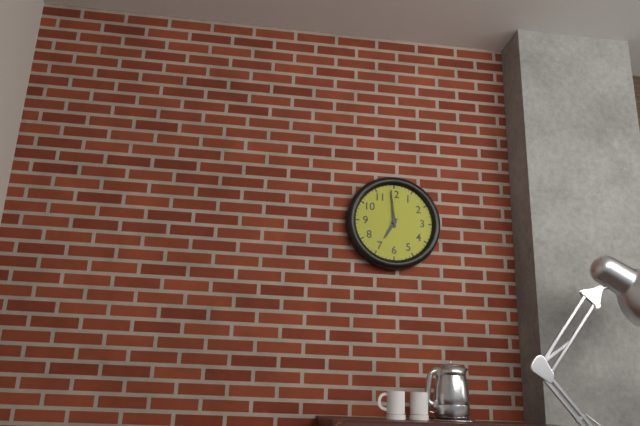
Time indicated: 6:59
